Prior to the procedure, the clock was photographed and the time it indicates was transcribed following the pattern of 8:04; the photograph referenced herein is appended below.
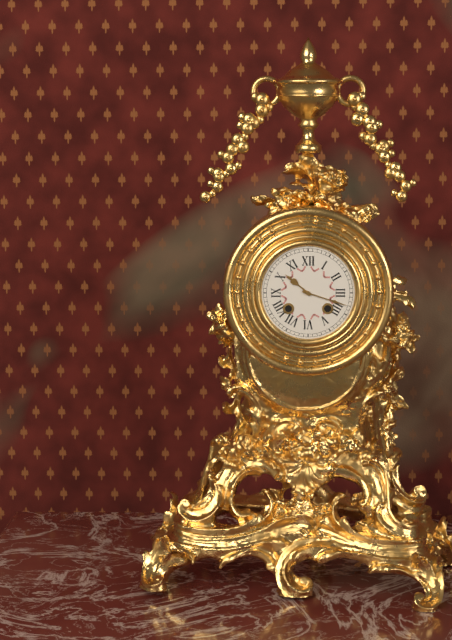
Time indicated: 10:18
